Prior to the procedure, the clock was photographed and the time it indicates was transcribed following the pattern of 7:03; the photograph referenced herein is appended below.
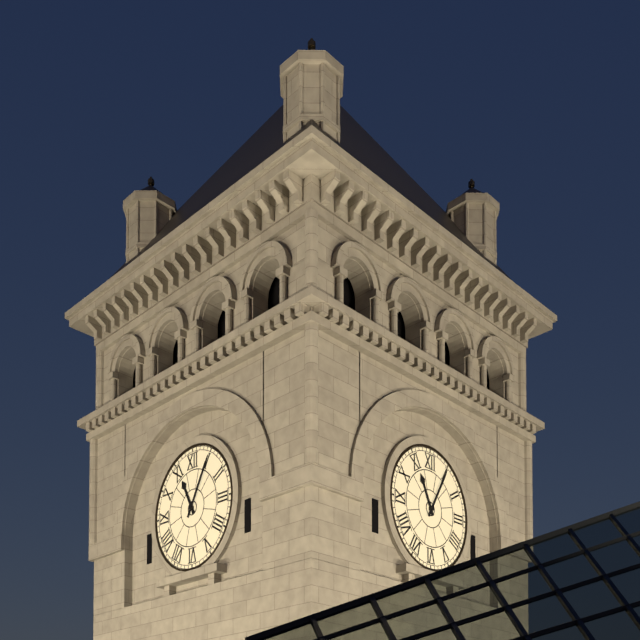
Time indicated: 11:05
